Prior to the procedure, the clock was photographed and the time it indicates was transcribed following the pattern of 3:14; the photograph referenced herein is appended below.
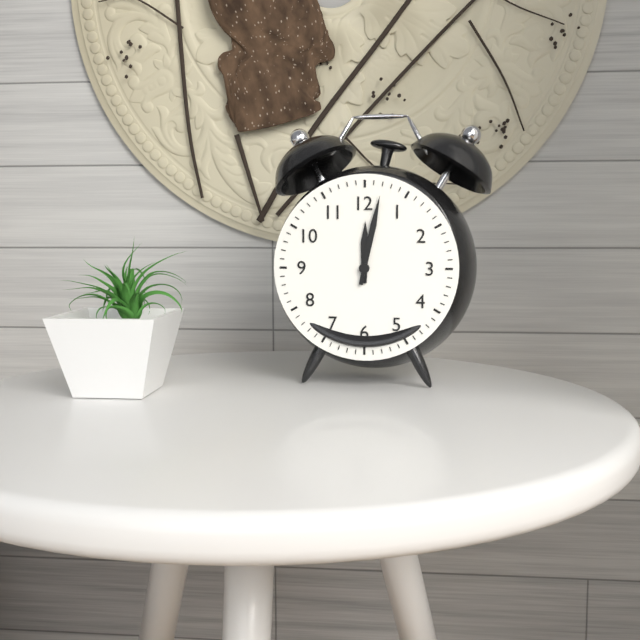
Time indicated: 12:02
